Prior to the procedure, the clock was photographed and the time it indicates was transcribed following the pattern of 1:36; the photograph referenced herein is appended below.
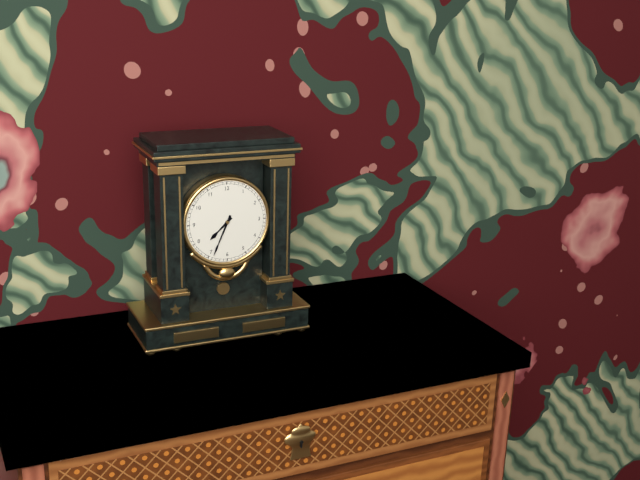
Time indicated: 7:34
